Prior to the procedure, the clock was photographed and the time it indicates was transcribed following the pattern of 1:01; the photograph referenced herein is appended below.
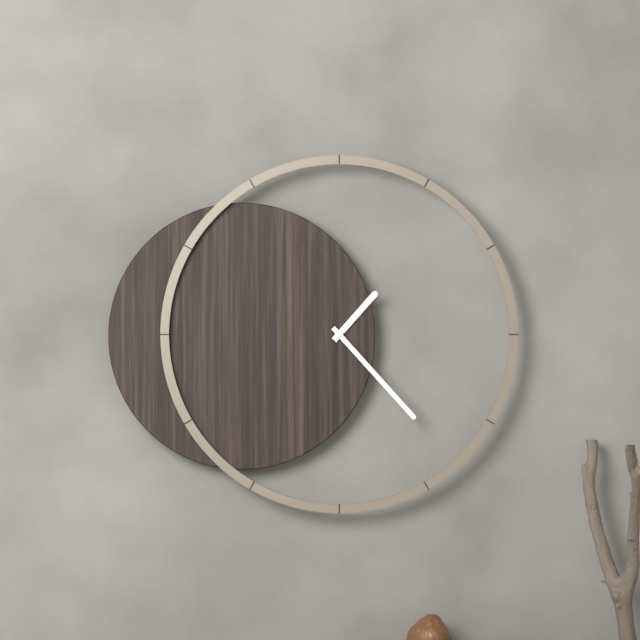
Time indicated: 1:23
